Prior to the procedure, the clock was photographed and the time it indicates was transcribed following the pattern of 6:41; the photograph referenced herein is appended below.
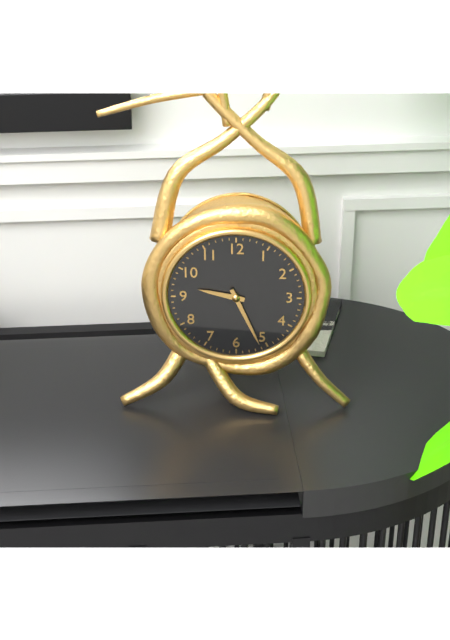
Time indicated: 9:26
